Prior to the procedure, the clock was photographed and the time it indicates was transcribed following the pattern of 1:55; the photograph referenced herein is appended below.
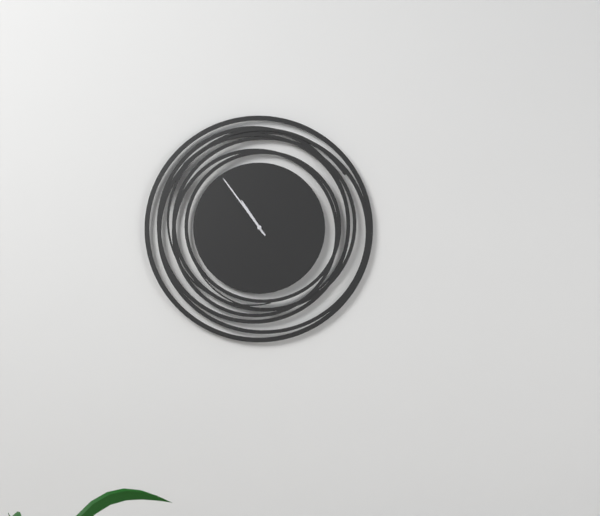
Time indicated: 10:54
